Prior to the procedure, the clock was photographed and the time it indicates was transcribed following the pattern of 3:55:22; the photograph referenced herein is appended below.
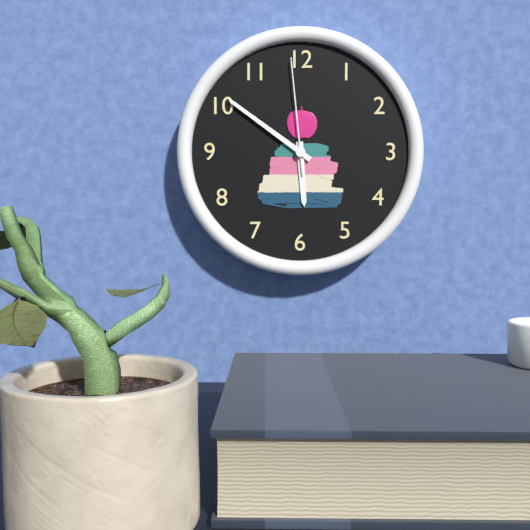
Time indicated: 5:51:59
